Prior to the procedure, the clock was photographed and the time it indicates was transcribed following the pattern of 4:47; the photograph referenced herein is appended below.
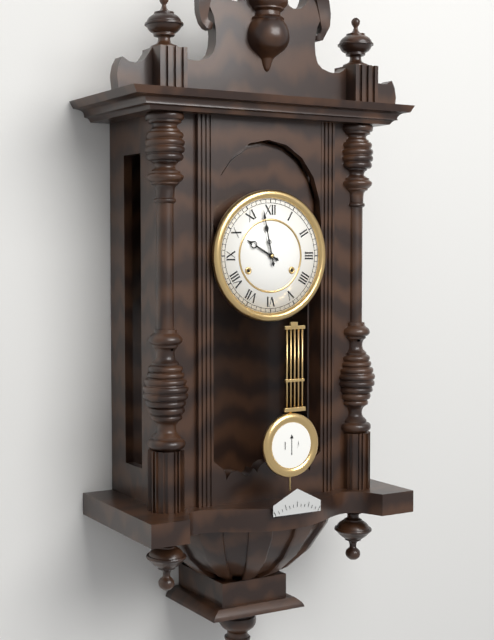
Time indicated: 9:58
